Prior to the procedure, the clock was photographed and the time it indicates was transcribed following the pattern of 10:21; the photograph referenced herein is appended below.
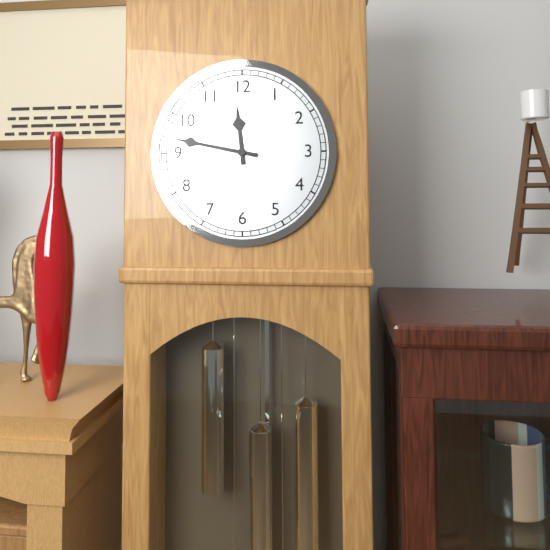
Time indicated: 11:47
